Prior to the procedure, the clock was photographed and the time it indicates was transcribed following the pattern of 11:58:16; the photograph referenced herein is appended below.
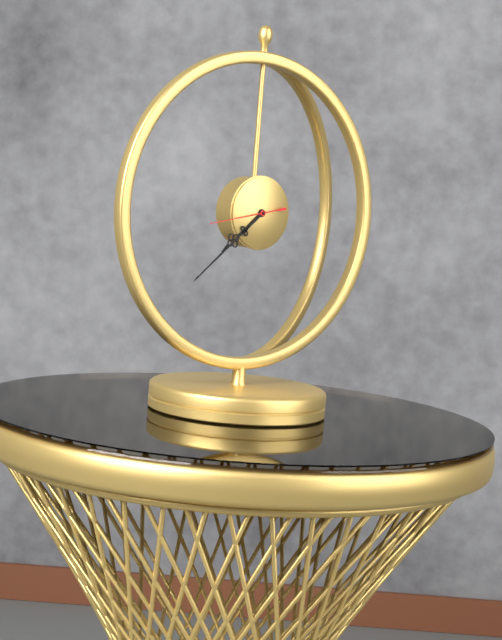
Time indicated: 7:38:43
